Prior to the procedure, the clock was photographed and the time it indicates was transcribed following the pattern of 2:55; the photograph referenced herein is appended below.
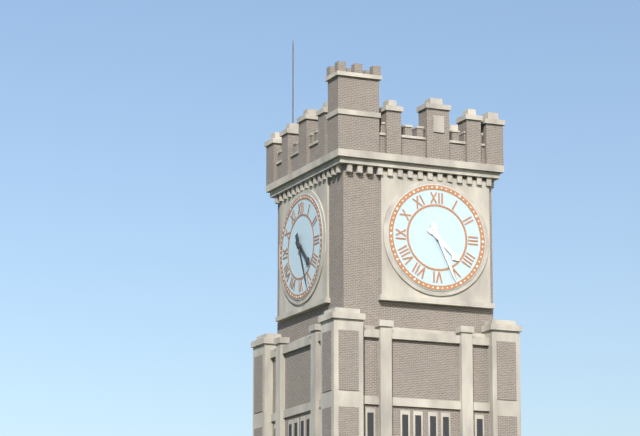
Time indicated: 4:26
